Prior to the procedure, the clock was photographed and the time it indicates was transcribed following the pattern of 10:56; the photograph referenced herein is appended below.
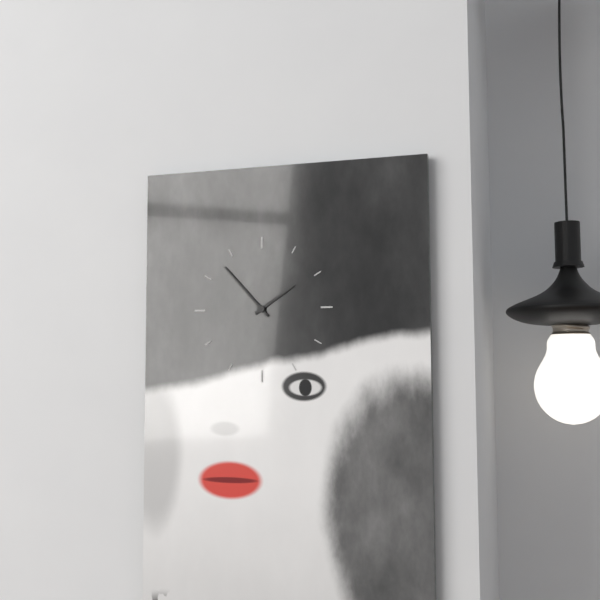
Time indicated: 1:53
